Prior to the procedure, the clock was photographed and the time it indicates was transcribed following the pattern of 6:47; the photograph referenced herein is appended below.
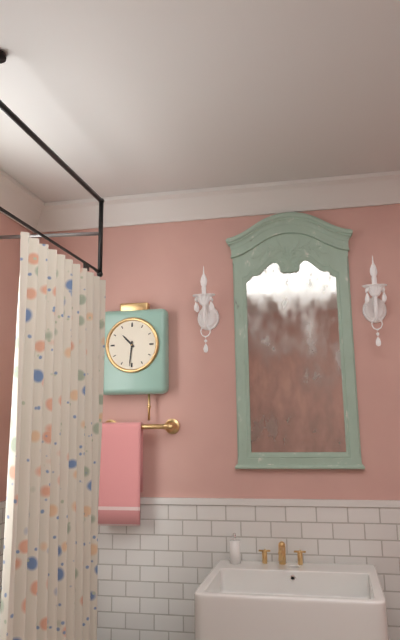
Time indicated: 10:31
